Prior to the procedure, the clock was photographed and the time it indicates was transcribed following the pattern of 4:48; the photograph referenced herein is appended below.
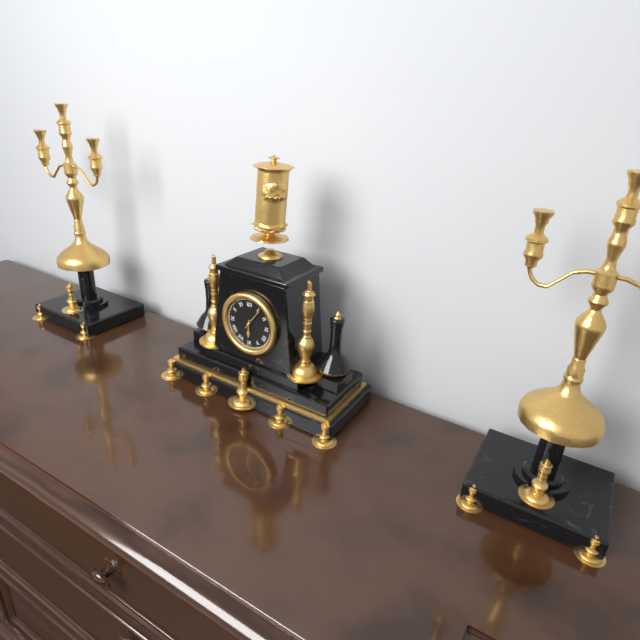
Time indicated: 6:06
